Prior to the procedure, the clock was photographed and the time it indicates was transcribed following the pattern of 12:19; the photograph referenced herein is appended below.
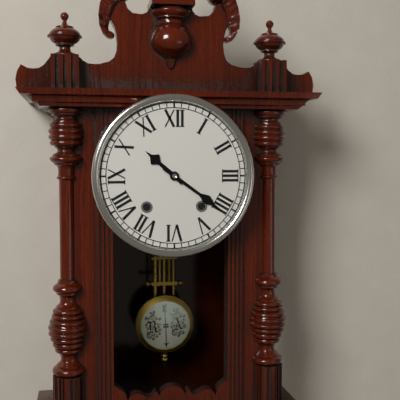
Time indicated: 10:21
